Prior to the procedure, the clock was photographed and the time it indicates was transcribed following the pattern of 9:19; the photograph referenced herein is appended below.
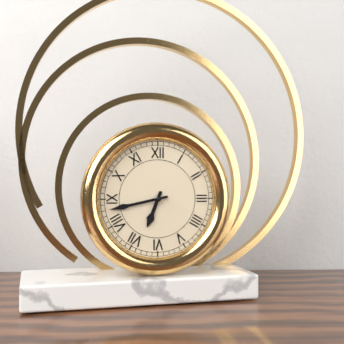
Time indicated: 6:43
